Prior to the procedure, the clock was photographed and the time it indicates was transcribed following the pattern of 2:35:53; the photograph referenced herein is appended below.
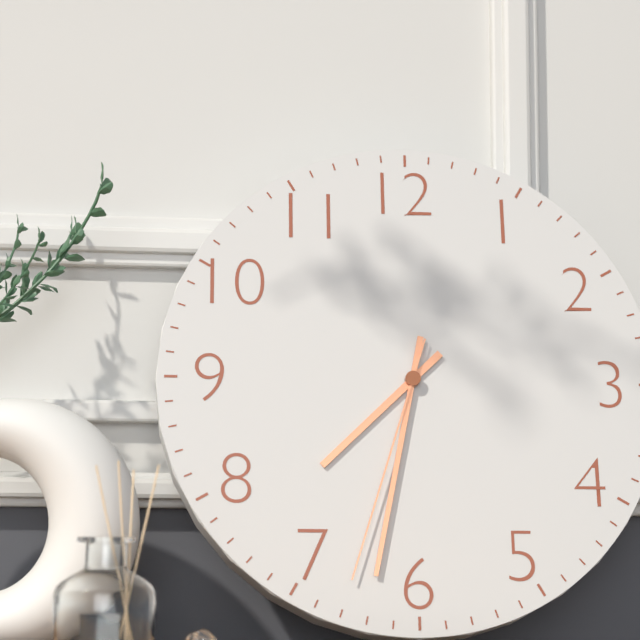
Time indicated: 7:32:33
